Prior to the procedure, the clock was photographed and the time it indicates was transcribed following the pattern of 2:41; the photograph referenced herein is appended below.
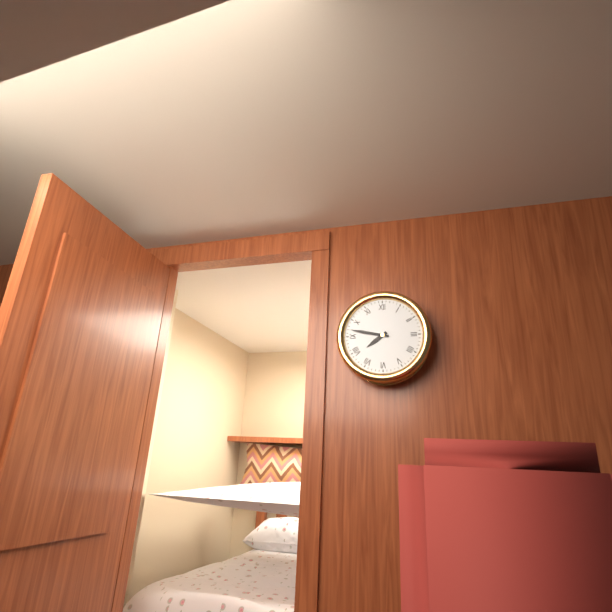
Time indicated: 7:47
